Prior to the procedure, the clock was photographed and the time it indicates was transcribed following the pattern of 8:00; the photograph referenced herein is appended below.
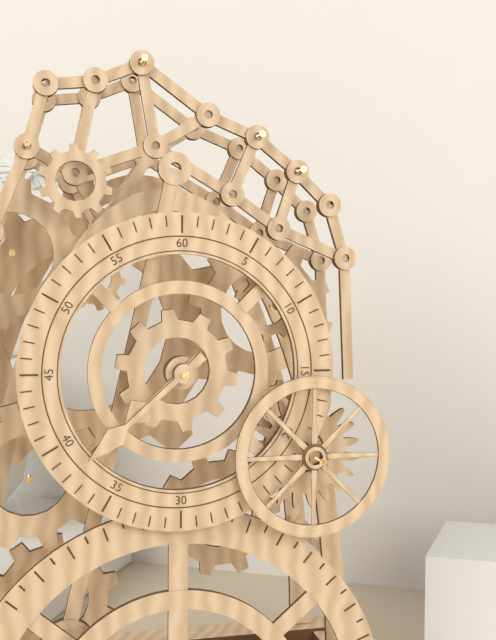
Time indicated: 7:38
